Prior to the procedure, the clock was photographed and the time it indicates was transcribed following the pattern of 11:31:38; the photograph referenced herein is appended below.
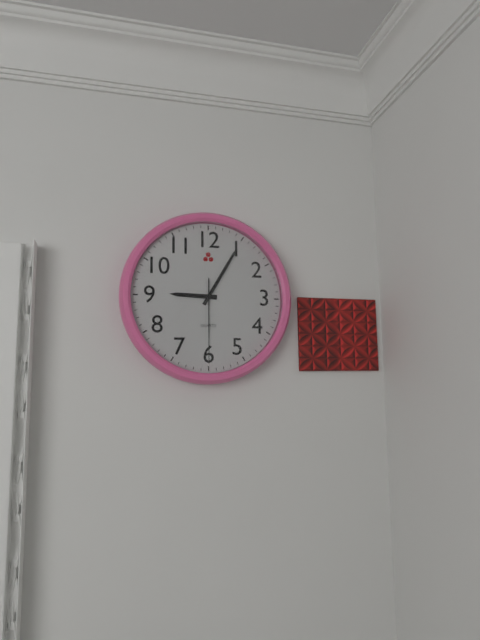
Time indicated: 9:05:30
